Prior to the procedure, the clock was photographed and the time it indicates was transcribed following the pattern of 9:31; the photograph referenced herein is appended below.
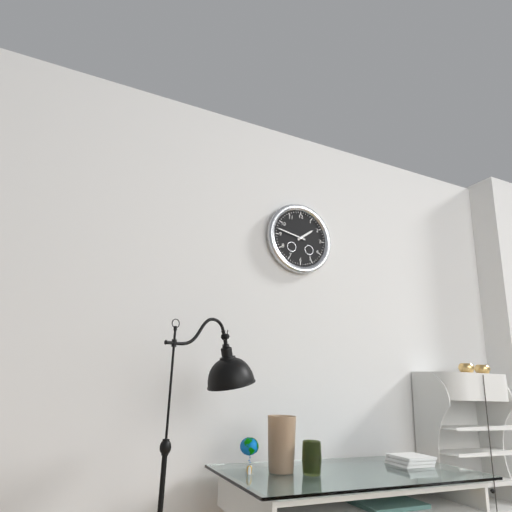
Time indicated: 1:47
